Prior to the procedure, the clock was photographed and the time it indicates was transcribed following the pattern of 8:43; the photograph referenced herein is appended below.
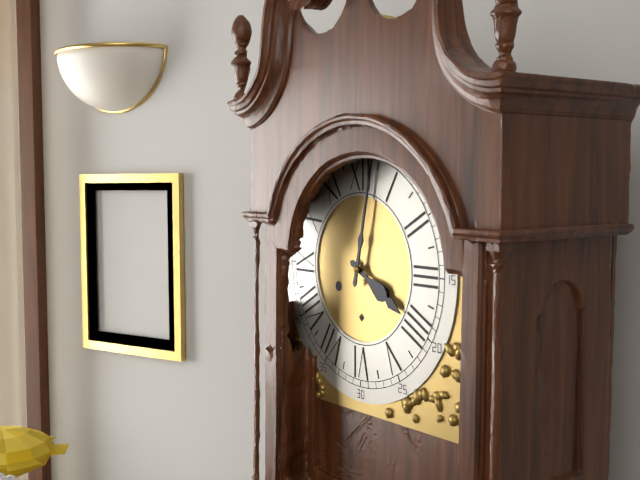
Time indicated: 4:02
